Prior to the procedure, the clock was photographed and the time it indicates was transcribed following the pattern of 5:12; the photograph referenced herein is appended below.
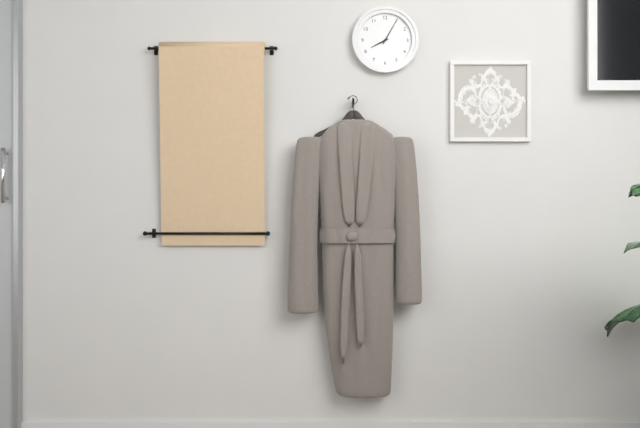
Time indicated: 8:05
